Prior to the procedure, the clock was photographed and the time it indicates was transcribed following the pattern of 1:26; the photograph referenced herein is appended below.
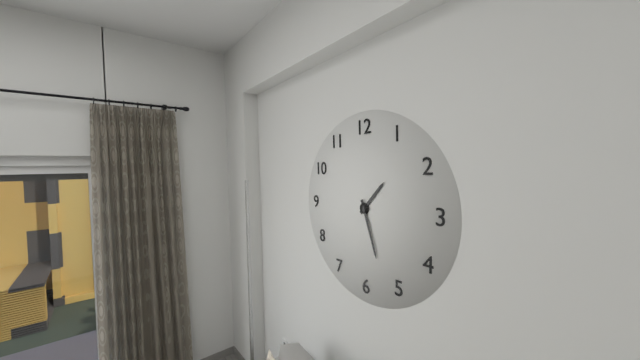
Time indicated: 1:27
